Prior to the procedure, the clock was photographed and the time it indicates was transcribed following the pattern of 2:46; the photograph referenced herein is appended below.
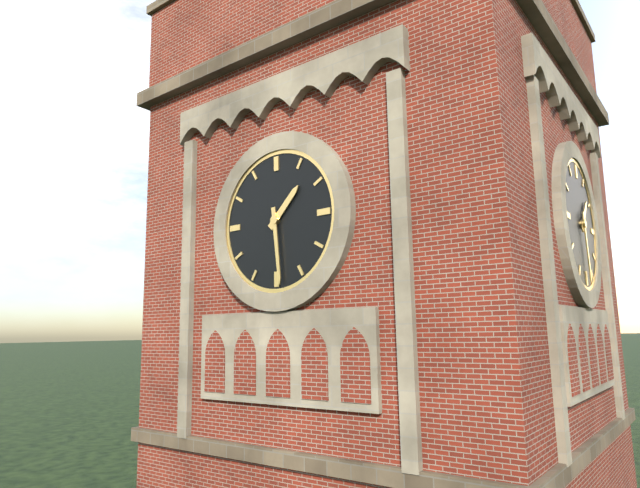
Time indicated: 1:29
